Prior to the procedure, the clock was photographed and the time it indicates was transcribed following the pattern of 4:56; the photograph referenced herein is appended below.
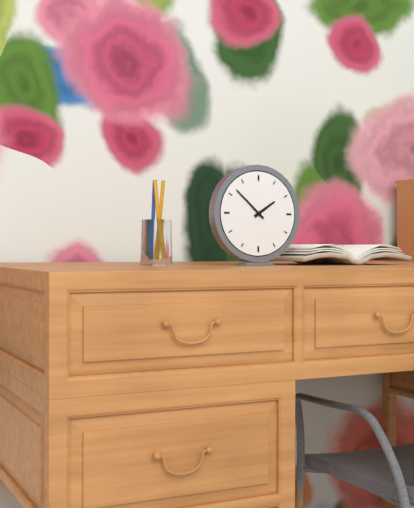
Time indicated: 1:52
